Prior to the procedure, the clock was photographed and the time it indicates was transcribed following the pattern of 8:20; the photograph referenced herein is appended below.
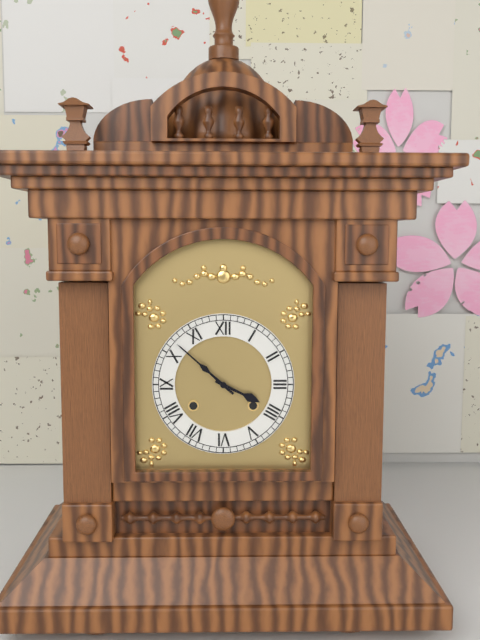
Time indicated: 3:52
